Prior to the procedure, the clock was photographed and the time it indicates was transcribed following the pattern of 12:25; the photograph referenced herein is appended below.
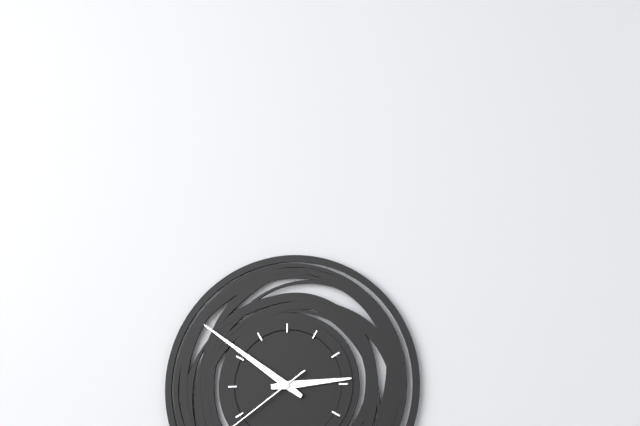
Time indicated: 2:51
